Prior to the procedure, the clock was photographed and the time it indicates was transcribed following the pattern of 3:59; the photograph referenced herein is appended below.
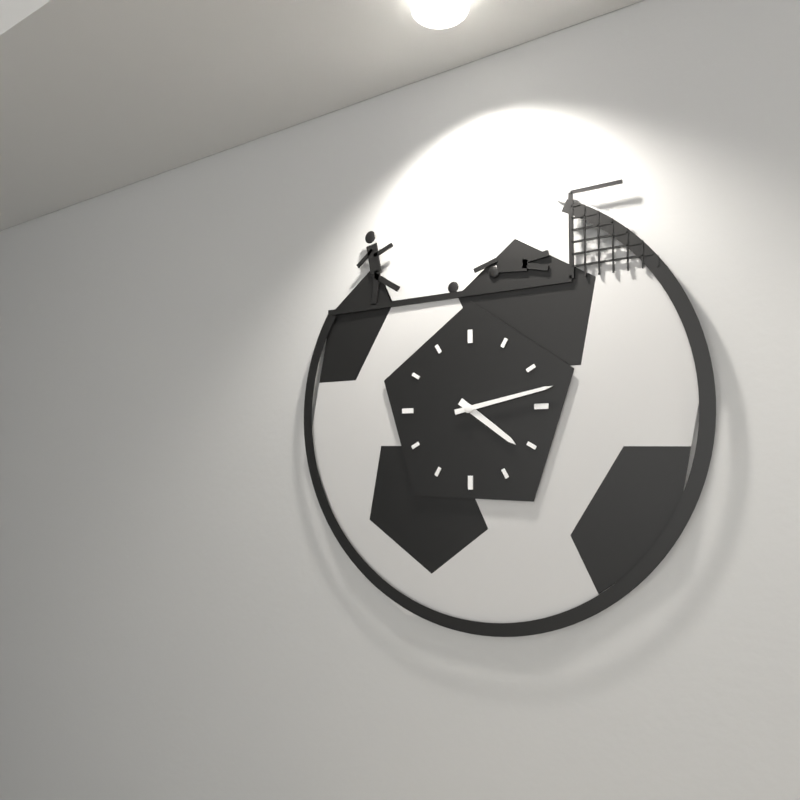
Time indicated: 4:13
